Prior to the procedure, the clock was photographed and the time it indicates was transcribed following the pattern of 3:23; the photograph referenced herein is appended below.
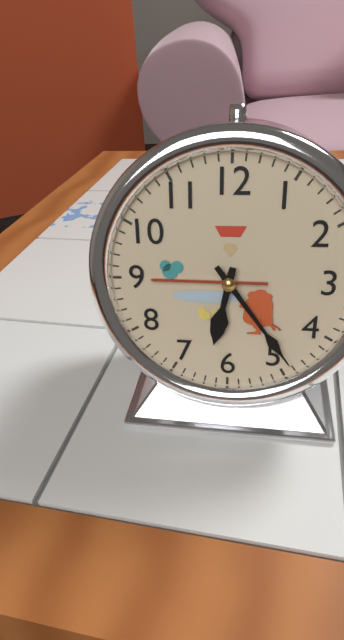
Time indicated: 6:24
